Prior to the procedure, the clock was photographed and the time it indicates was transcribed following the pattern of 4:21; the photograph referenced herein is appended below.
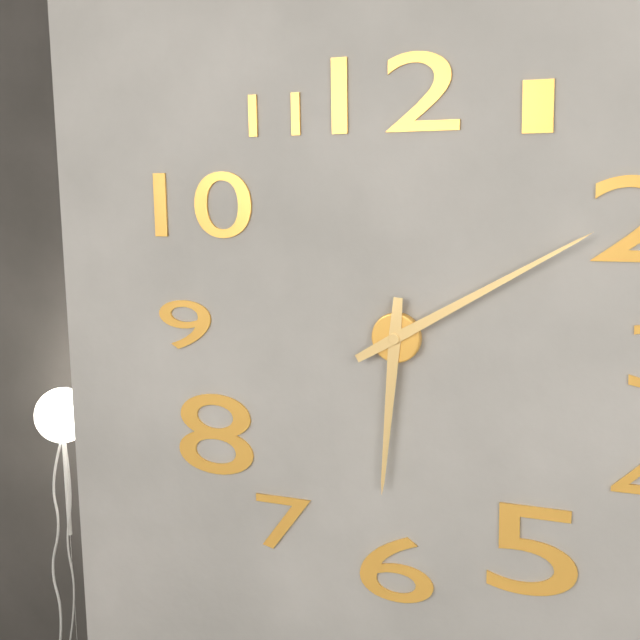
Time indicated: 6:10
